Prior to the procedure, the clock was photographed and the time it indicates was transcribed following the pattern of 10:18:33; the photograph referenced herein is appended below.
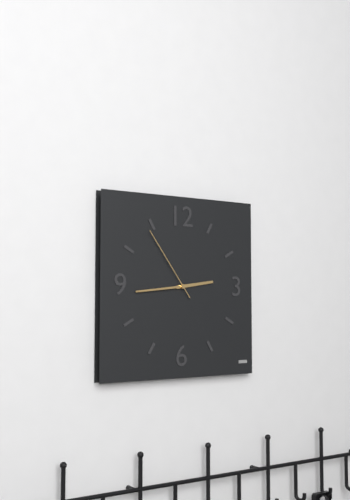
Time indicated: 2:44:54
